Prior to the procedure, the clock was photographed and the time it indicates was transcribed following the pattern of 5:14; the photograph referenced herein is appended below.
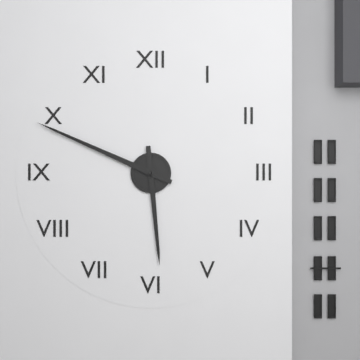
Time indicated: 5:49
